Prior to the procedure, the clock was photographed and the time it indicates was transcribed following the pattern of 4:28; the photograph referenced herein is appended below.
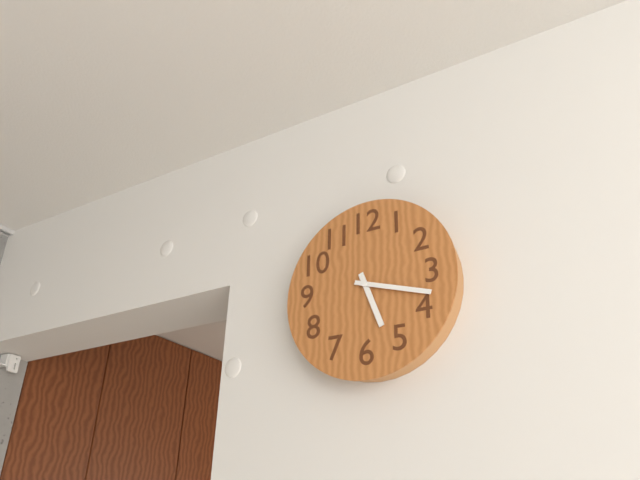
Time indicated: 5:18
